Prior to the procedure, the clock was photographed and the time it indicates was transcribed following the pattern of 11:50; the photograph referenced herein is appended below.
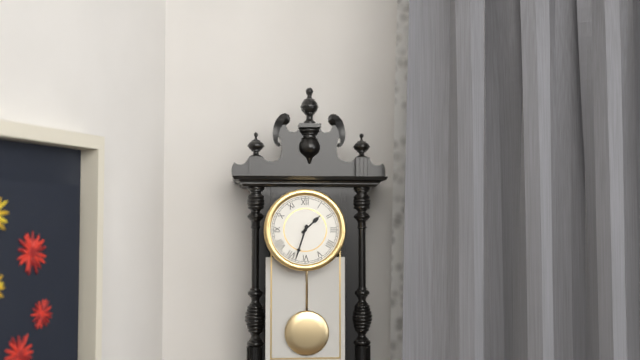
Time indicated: 1:33
